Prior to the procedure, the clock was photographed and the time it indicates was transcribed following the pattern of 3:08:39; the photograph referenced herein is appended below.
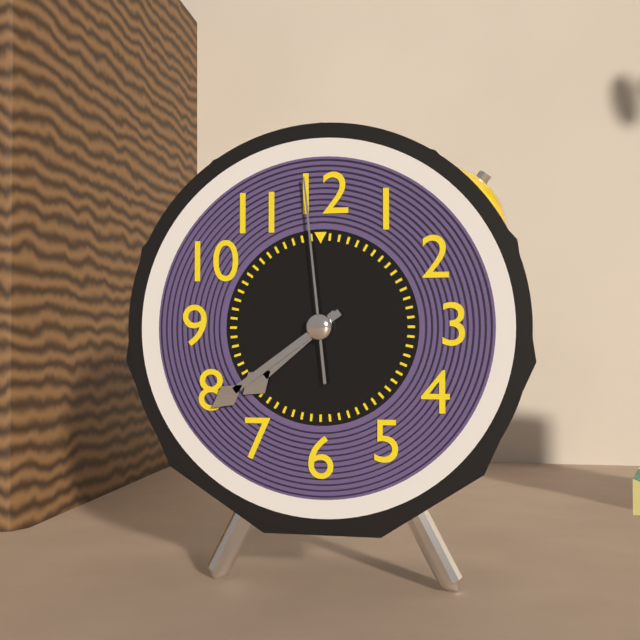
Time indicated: 7:39:59
